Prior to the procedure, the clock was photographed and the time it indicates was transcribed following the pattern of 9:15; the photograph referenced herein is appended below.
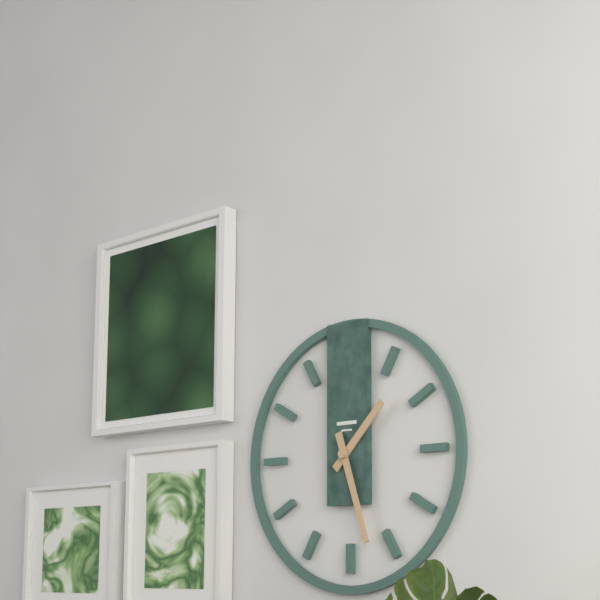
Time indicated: 1:27
